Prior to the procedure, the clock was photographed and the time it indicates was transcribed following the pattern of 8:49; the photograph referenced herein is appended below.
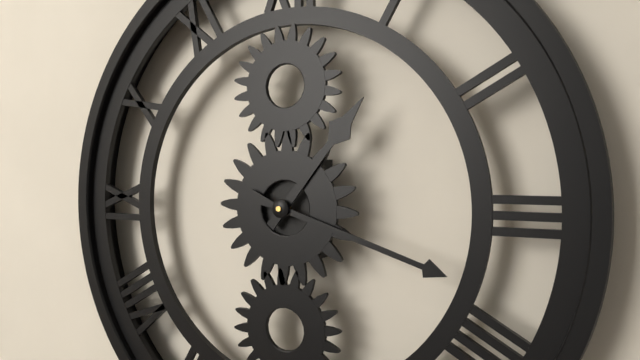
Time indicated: 1:18
